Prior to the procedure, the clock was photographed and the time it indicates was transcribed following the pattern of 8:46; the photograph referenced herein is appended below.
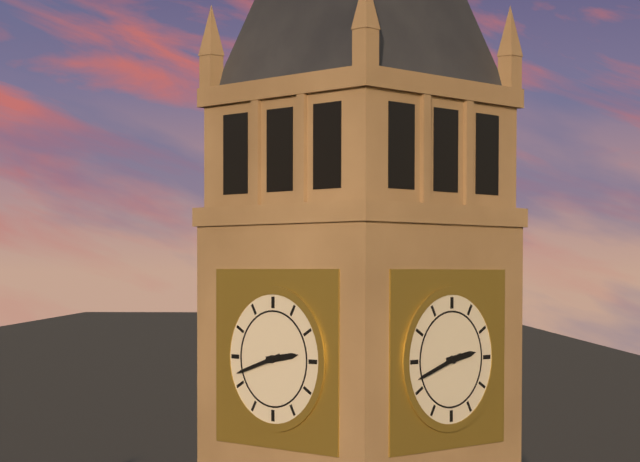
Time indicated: 2:42
